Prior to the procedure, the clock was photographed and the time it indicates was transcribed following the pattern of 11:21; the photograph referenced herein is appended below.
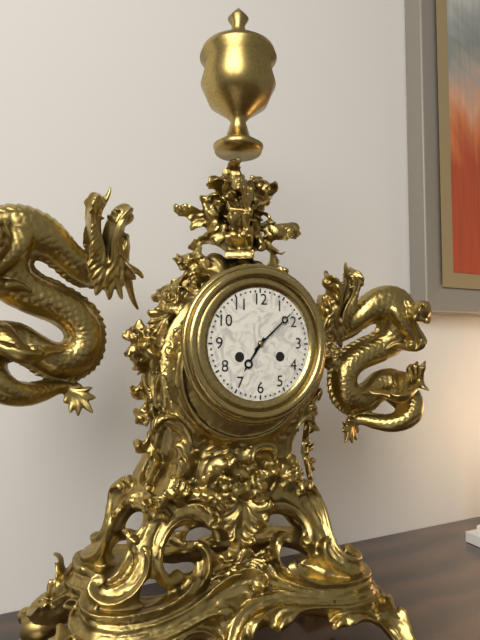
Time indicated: 7:08
